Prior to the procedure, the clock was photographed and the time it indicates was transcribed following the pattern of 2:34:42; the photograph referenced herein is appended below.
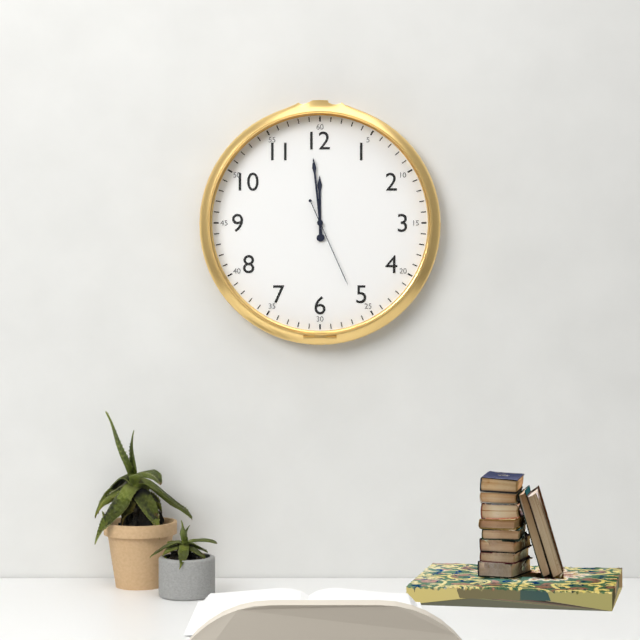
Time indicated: 11:59:26
